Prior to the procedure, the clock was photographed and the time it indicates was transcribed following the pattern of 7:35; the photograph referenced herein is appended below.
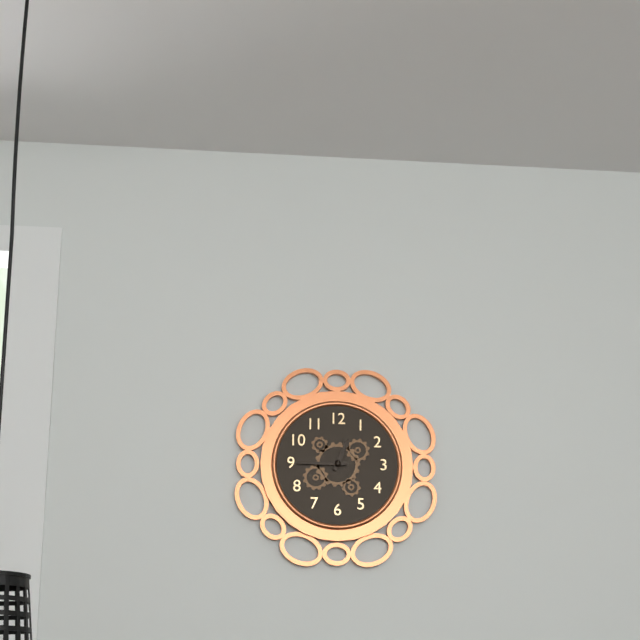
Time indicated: 12:45
